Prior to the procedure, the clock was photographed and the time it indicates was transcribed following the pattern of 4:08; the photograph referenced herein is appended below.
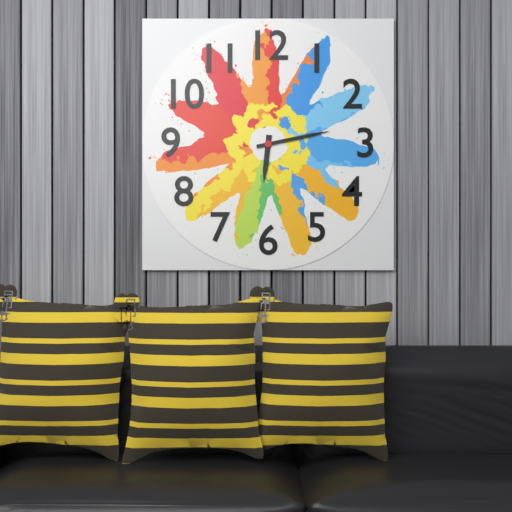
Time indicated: 6:13
